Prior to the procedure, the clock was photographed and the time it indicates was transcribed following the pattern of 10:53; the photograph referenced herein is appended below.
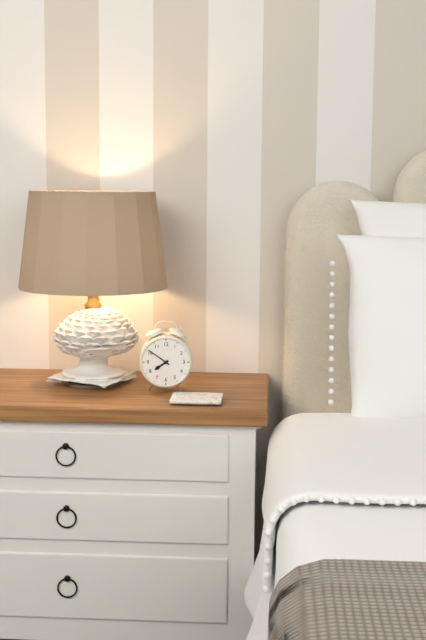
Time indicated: 7:51
